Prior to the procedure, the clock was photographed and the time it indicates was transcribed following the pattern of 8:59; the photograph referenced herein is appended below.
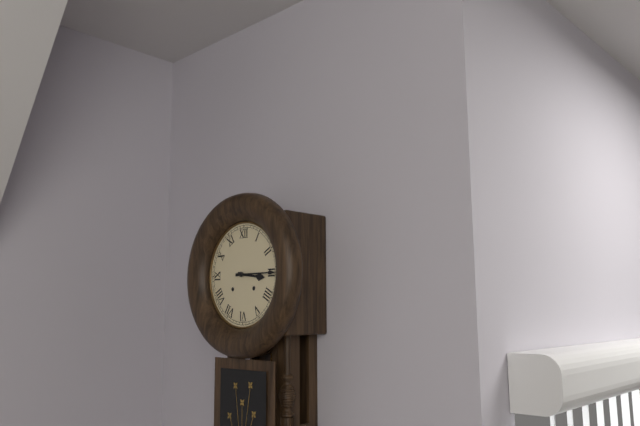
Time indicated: 3:15
